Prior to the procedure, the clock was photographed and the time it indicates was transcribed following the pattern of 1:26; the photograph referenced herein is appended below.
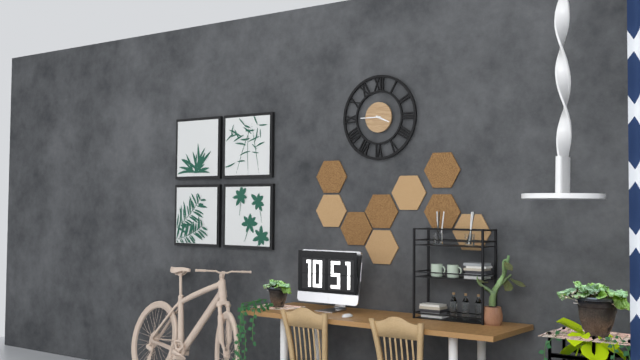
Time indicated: 3:45
